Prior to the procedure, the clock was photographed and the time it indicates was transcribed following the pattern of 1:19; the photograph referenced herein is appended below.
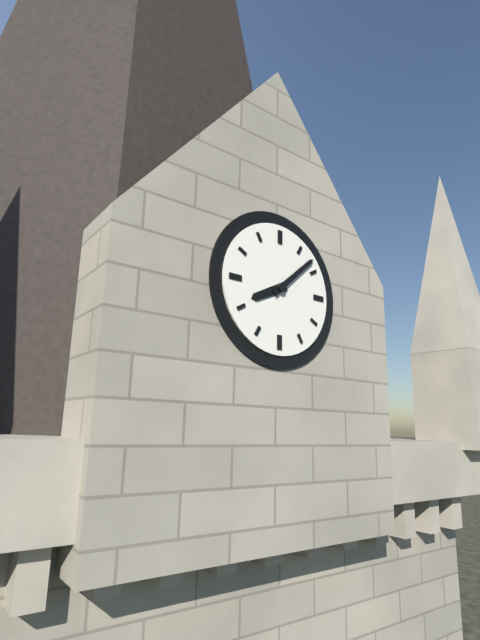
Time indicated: 8:08
